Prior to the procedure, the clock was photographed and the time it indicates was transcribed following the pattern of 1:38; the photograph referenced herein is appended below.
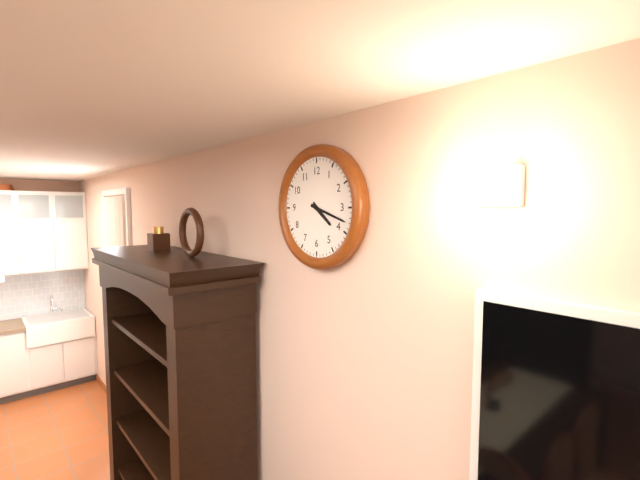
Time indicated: 4:18
